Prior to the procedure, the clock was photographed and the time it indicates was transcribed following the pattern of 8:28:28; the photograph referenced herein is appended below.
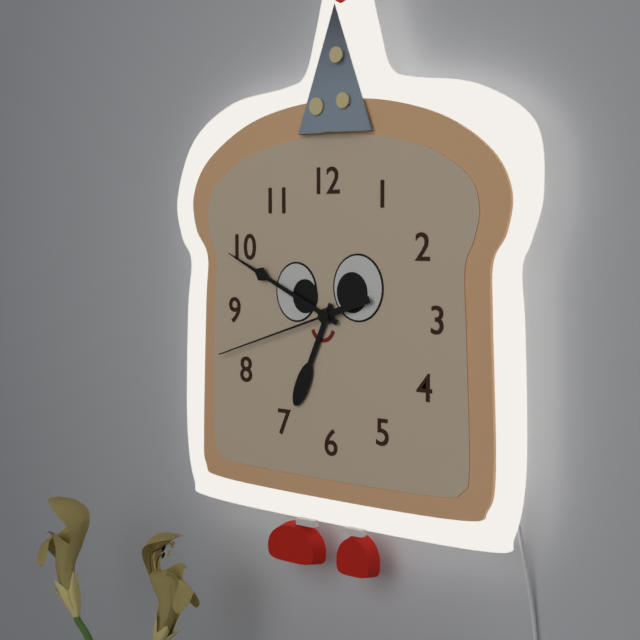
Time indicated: 6:49:42
